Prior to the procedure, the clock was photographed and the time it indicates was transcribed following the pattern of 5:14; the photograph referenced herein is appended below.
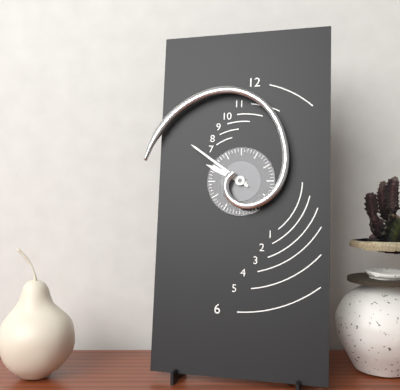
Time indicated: 9:51
